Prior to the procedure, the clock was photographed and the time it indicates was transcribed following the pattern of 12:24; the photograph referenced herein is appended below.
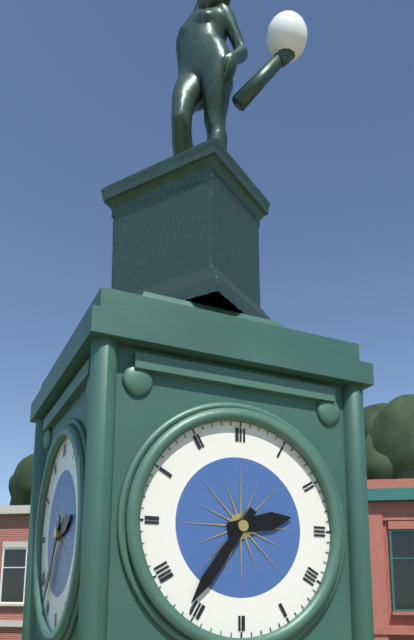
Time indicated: 2:36
